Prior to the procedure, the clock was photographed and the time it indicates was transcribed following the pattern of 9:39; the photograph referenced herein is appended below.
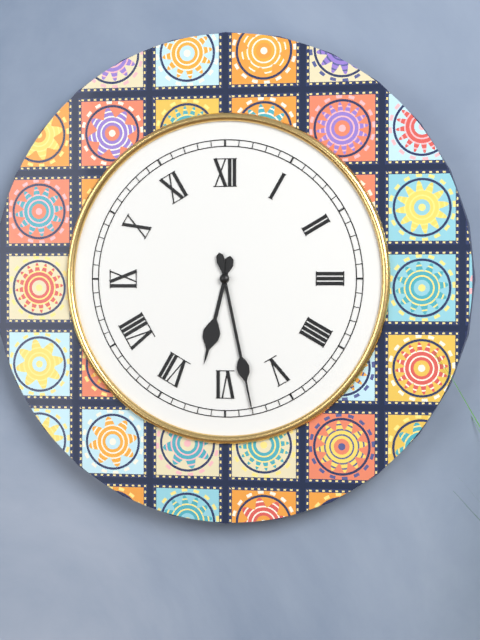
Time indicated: 6:28
